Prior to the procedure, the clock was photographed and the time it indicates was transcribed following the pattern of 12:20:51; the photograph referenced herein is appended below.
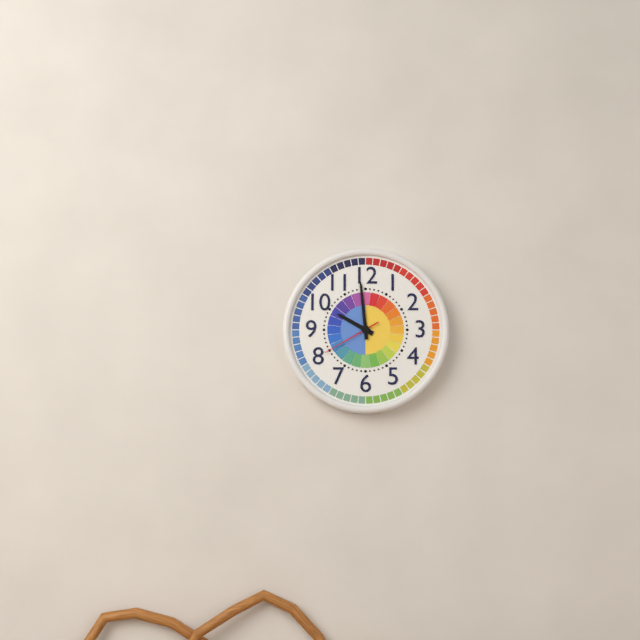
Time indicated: 9:59:40
